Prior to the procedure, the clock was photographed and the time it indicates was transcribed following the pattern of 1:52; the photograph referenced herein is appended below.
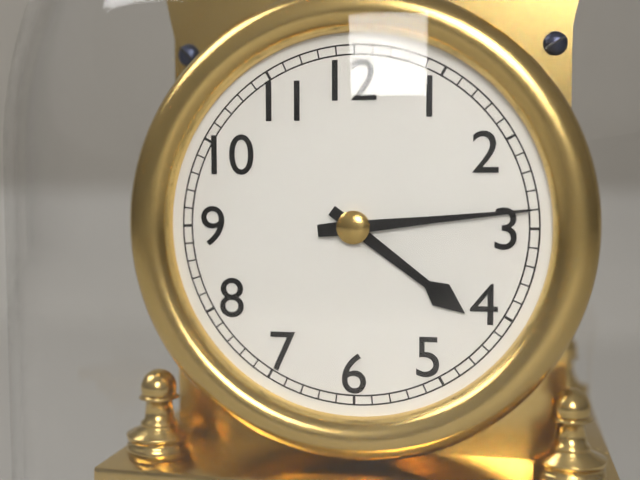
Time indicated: 4:14
